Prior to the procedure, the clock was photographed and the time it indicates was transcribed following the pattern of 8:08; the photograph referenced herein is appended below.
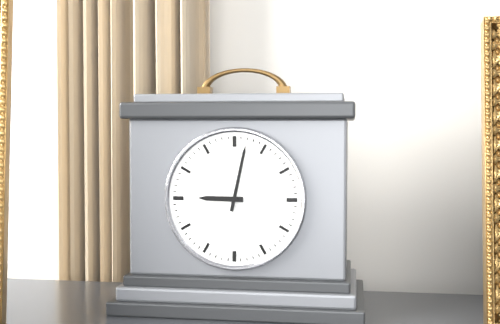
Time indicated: 9:02
